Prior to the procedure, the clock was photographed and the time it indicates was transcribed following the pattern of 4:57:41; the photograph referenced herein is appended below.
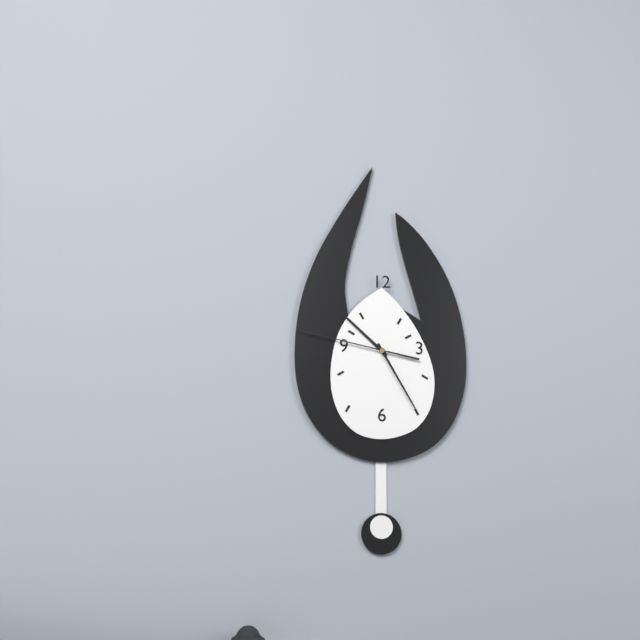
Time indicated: 10:25:47
